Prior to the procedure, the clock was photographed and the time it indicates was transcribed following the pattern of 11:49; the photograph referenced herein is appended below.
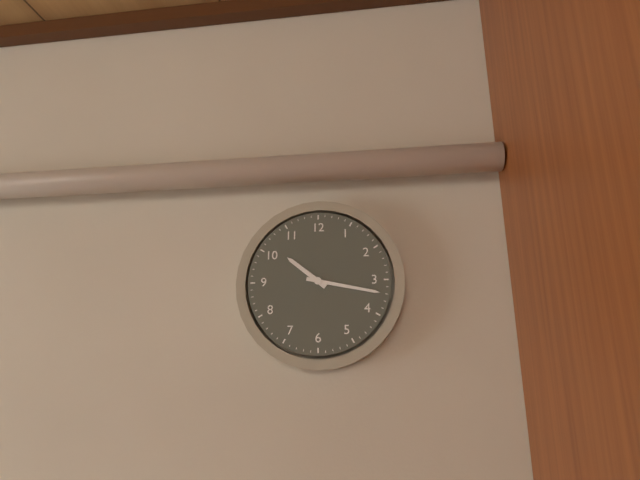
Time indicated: 10:17
